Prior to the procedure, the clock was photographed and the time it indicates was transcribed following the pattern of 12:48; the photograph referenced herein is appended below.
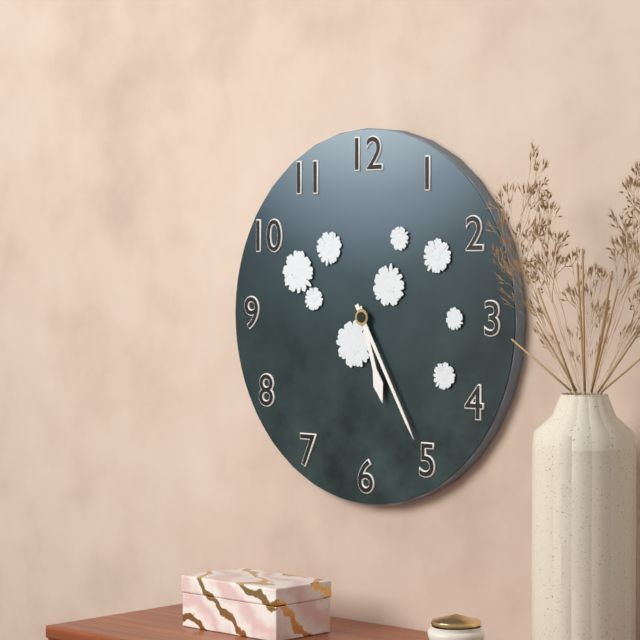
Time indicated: 5:25
